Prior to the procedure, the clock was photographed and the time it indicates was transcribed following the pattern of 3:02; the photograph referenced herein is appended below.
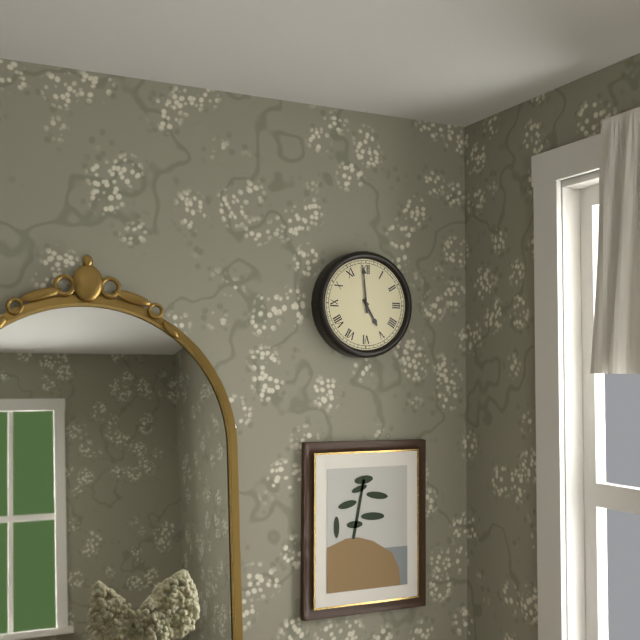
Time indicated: 4:59
